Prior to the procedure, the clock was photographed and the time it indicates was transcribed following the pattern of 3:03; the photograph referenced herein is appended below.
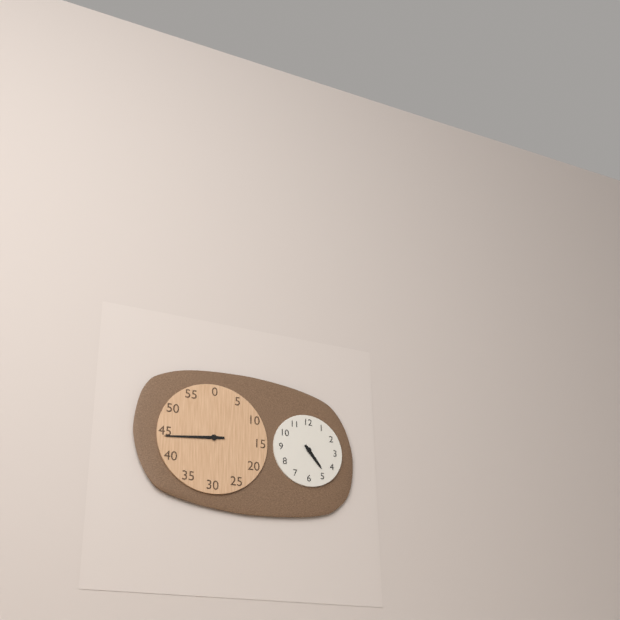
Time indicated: 4:44
